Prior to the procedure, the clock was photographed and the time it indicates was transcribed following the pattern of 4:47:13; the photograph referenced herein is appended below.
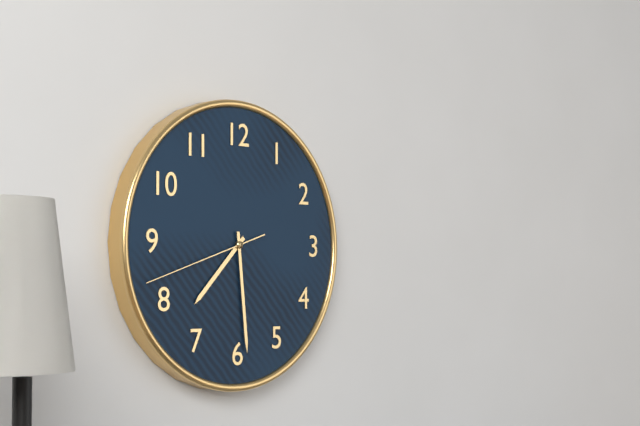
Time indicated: 7:29:42
